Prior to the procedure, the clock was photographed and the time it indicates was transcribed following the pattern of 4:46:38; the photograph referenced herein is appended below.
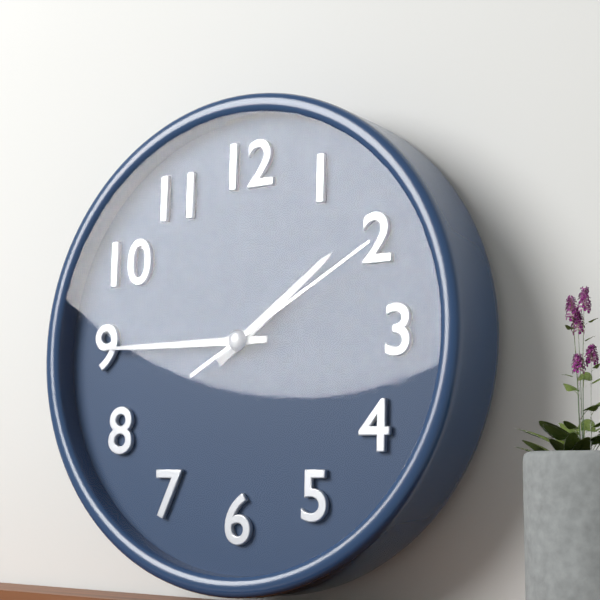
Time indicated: 1:45:10
